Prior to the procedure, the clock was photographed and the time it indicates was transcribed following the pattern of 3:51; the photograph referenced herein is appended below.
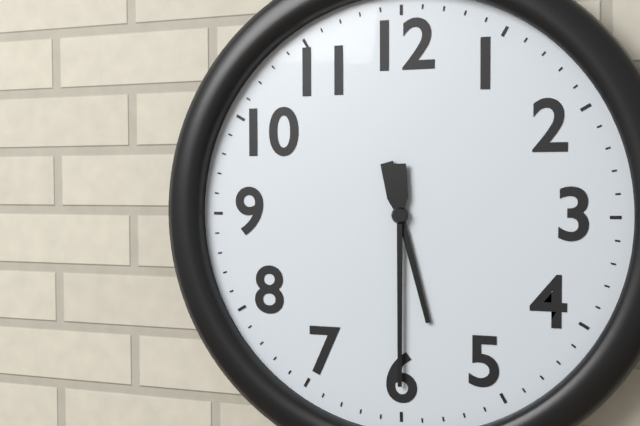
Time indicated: 5:30
